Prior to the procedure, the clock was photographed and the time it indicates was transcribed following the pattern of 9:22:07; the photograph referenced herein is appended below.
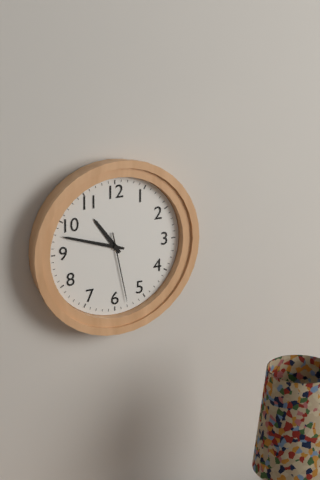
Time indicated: 10:48:28
